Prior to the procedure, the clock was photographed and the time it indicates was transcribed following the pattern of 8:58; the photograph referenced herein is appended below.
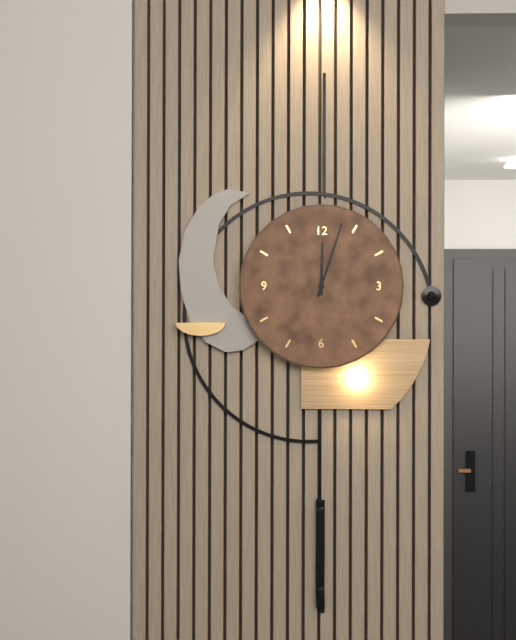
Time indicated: 12:03
